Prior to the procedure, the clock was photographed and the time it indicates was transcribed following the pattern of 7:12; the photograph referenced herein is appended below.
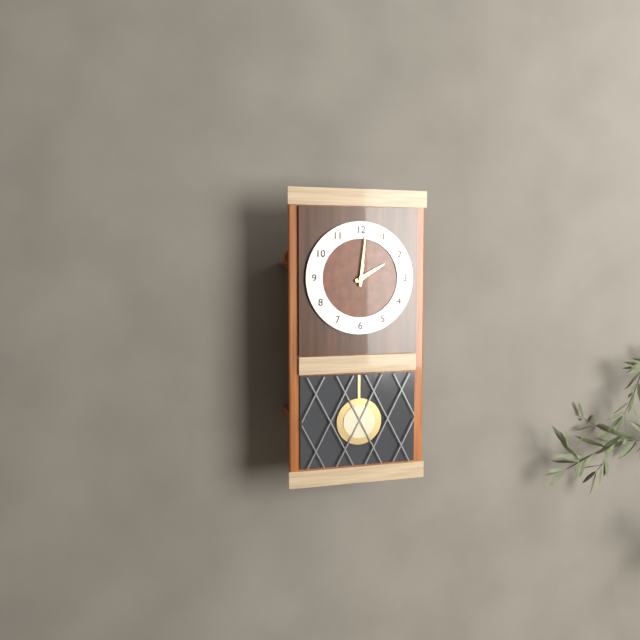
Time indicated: 2:01
